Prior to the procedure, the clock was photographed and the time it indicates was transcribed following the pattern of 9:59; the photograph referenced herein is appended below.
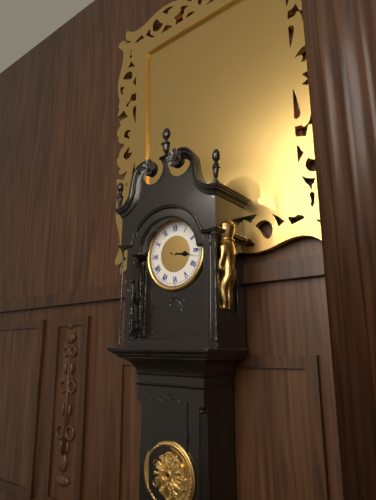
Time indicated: 3:17
